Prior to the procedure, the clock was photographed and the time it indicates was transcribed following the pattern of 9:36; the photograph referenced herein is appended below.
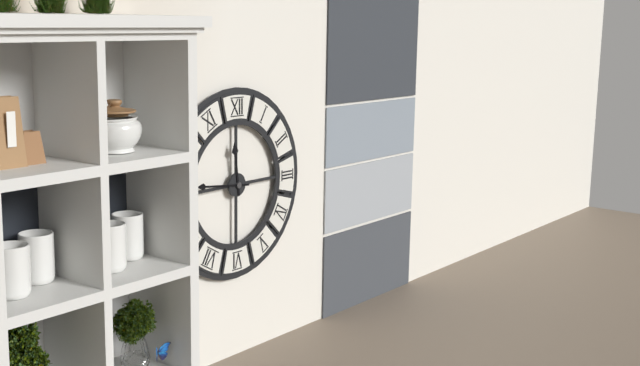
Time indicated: 11:46
